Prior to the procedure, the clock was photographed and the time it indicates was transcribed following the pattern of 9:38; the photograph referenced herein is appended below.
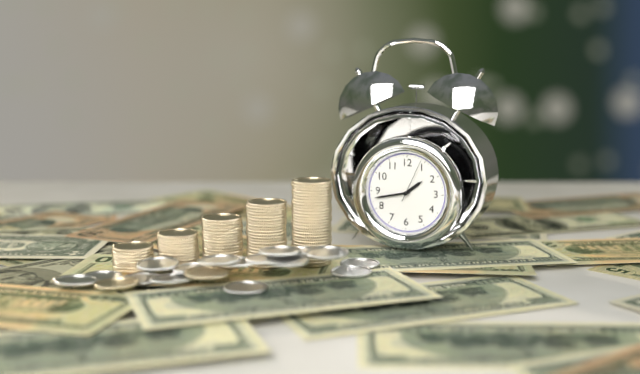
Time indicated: 1:43
